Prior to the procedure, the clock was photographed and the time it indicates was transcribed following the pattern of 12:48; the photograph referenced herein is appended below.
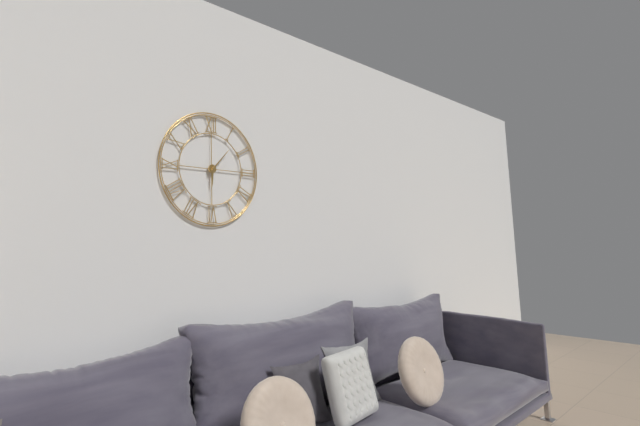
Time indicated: 6:07
